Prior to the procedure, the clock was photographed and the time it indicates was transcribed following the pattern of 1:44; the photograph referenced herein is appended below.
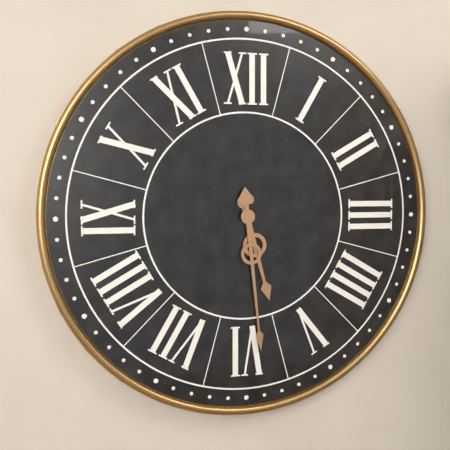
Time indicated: 5:29
